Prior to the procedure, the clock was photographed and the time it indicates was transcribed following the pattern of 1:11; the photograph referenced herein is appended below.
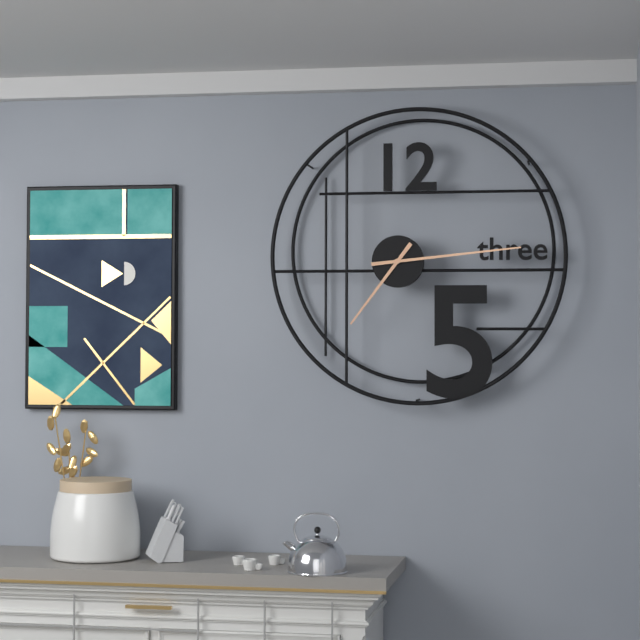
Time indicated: 7:14
